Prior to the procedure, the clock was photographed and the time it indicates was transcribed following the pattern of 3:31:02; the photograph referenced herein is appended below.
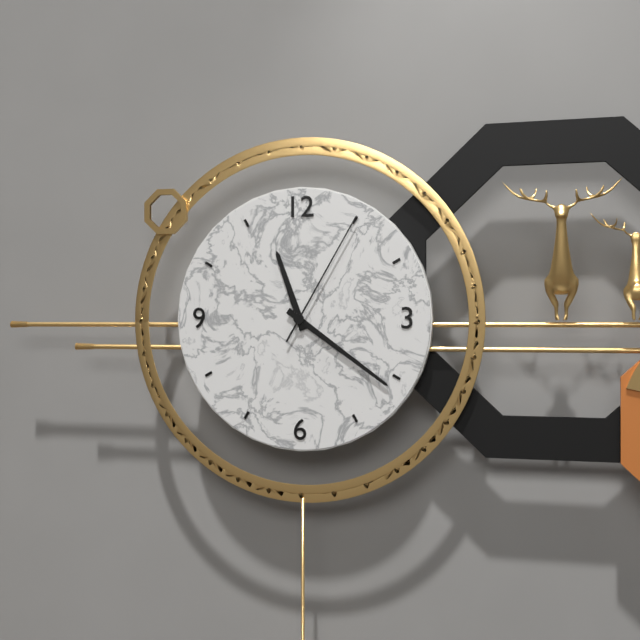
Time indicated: 11:21:05
